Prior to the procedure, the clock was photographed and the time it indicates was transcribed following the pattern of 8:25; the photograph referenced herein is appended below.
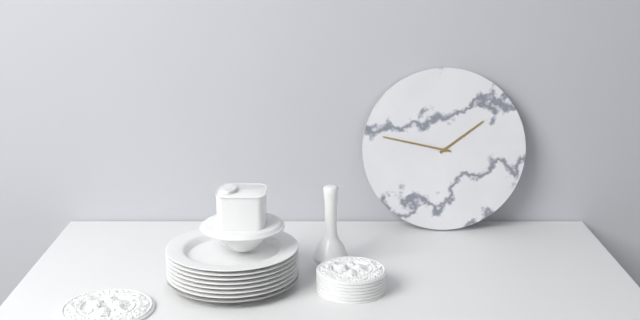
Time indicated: 1:47
